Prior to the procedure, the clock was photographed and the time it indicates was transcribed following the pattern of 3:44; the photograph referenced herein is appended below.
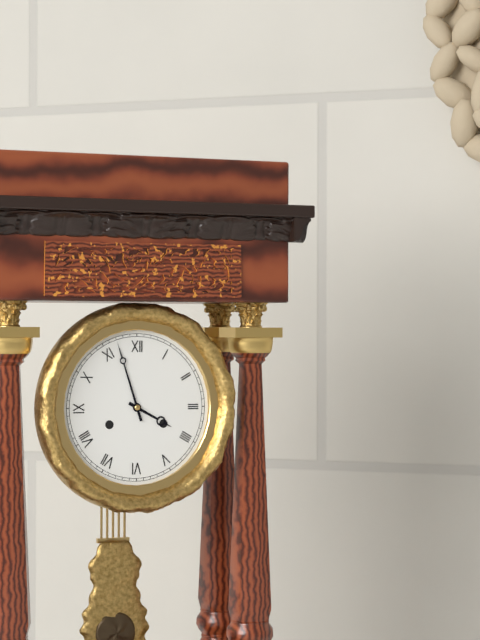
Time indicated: 3:57
